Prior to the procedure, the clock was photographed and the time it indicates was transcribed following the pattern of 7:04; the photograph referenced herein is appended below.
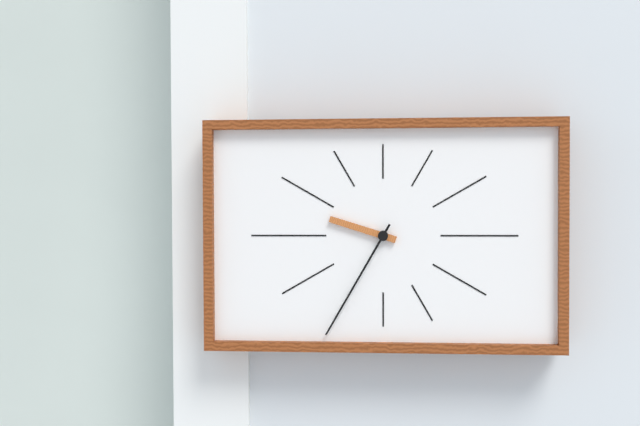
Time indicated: 9:35
